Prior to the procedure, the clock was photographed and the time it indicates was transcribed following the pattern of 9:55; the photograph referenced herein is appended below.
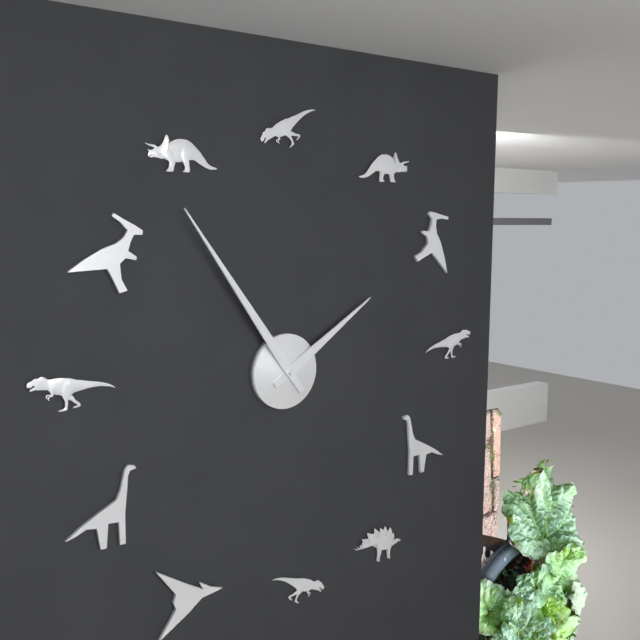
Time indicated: 1:54
